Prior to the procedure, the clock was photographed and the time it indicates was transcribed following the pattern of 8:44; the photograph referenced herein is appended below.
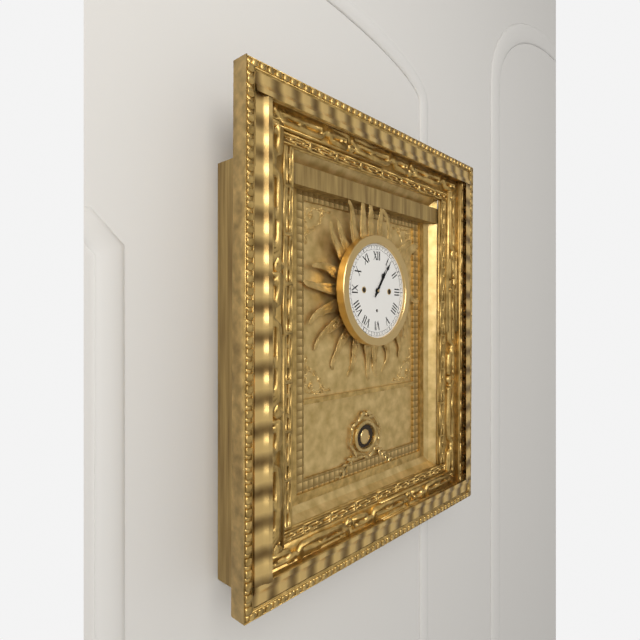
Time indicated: 1:06
